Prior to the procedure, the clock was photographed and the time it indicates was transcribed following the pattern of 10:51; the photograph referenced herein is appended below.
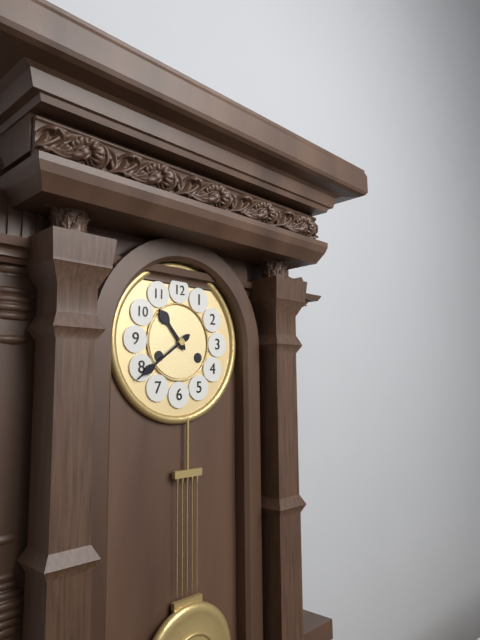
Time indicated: 10:39
